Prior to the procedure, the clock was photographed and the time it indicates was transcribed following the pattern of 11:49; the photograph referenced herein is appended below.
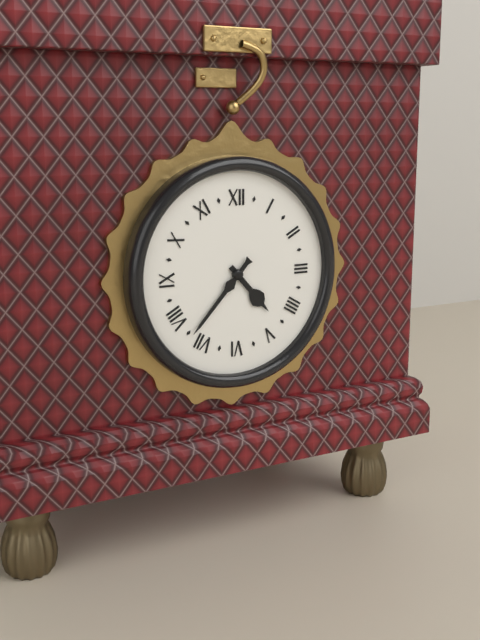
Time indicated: 4:37
